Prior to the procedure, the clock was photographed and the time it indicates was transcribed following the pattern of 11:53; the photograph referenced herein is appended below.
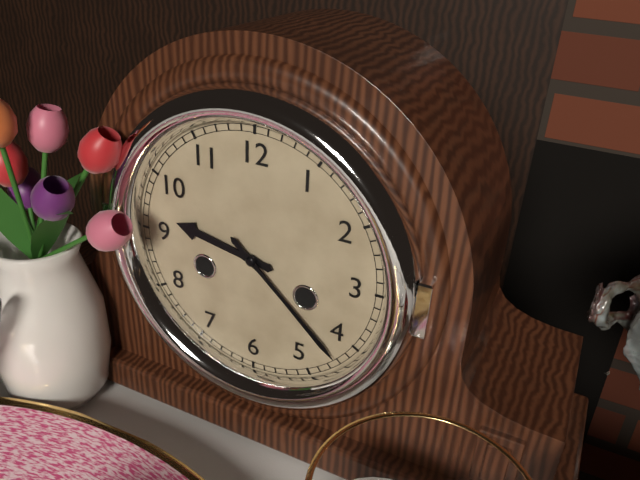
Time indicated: 9:22
